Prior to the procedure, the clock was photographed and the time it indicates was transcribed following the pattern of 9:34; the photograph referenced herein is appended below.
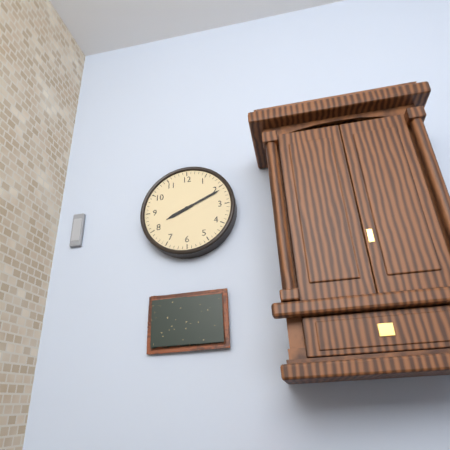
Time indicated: 8:11
